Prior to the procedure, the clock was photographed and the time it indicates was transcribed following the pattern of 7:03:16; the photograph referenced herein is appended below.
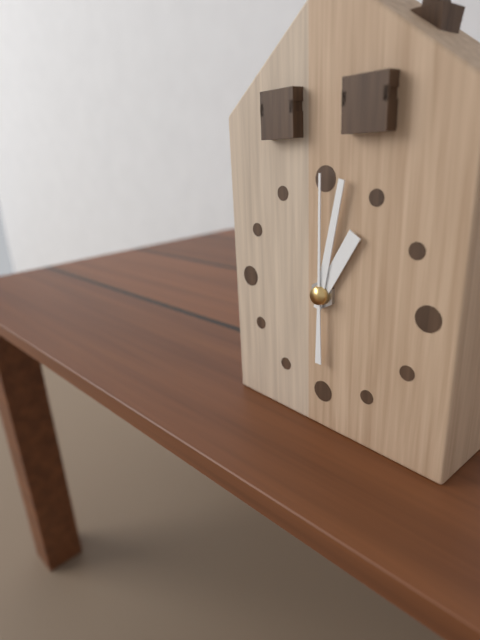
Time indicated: 1:02:00
